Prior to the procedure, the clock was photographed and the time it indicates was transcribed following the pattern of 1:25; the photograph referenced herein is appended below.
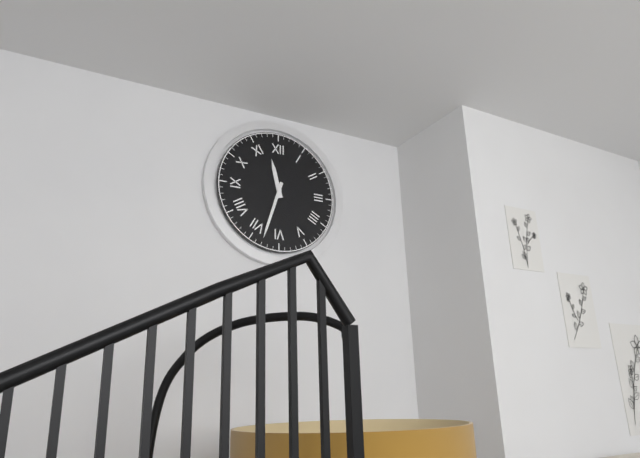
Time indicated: 11:33
